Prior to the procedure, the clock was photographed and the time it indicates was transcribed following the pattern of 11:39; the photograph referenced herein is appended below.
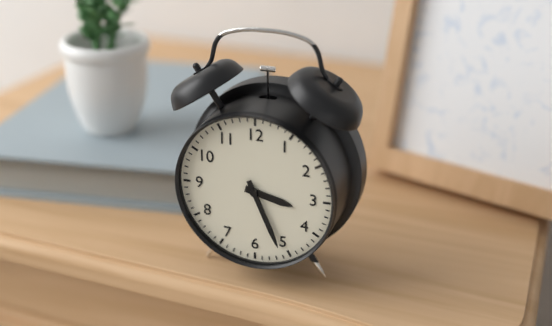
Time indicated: 3:26
